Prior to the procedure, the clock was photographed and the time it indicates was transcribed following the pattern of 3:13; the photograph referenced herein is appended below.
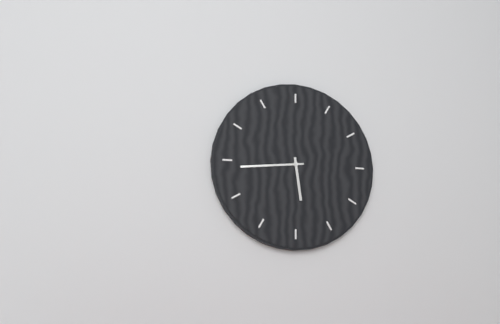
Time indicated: 5:44
